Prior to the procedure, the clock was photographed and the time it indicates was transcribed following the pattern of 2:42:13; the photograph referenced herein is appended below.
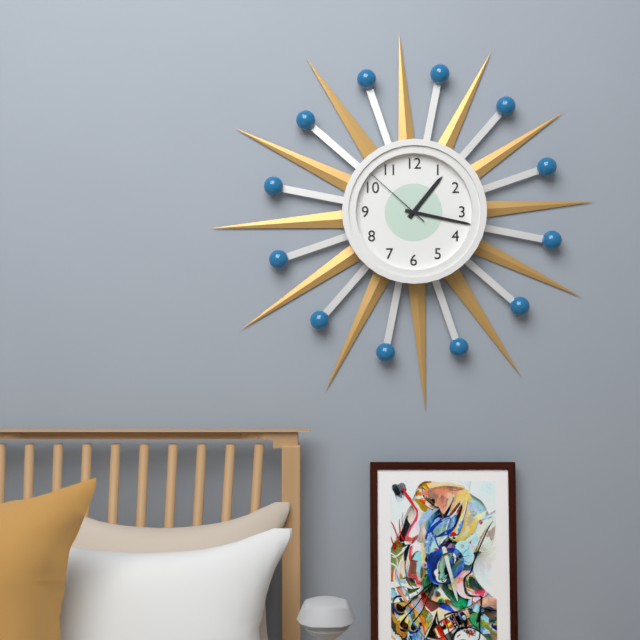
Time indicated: 1:17:52
